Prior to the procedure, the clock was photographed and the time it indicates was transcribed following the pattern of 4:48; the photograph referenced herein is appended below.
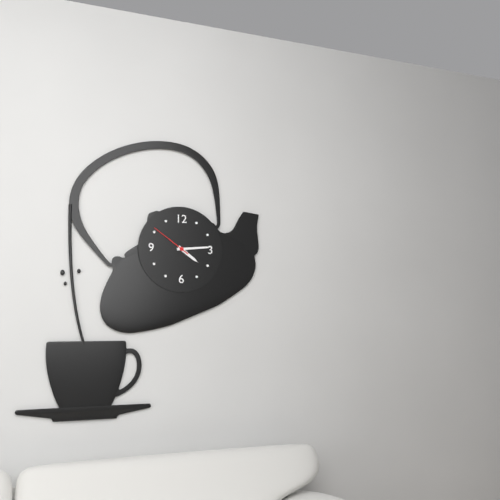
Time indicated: 4:14
